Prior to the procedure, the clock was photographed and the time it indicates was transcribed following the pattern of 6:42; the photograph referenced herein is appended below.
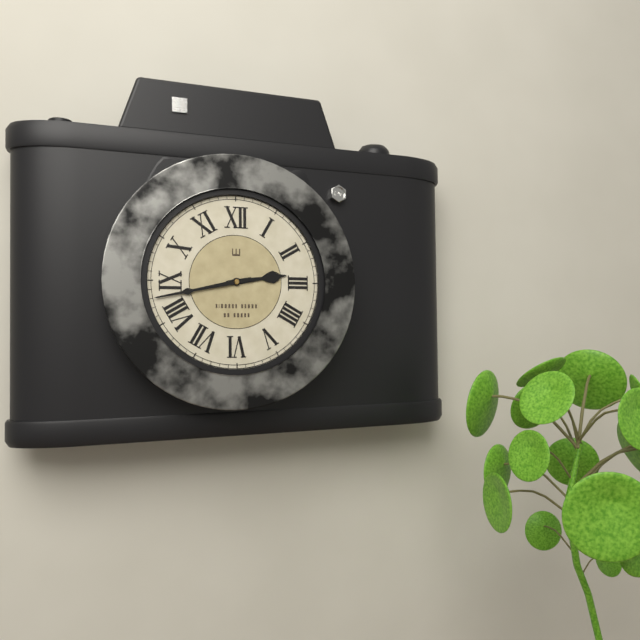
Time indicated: 2:43
